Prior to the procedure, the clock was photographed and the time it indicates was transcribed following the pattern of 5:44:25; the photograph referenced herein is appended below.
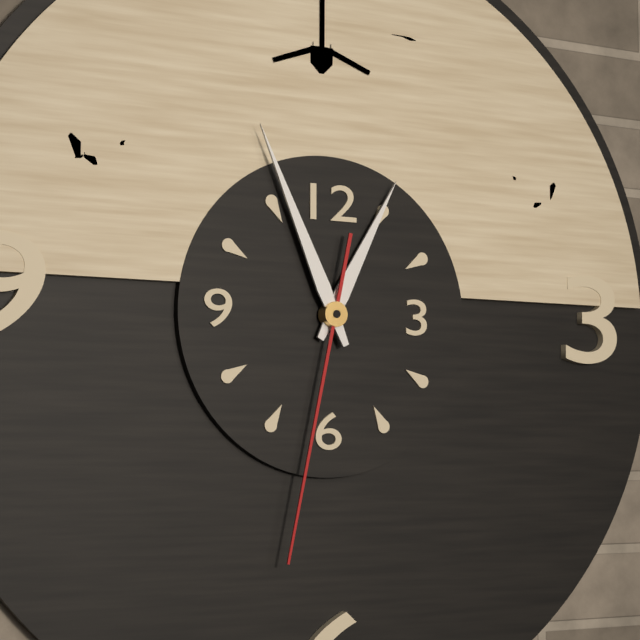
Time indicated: 12:56:32
